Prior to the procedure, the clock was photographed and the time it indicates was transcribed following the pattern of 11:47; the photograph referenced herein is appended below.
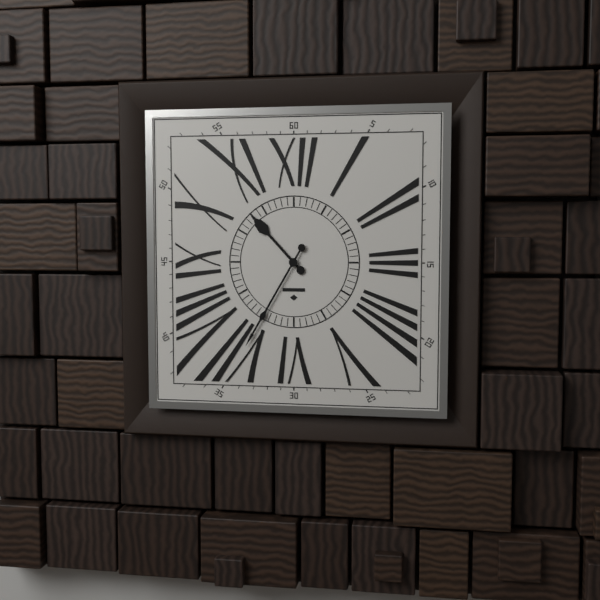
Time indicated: 10:35
